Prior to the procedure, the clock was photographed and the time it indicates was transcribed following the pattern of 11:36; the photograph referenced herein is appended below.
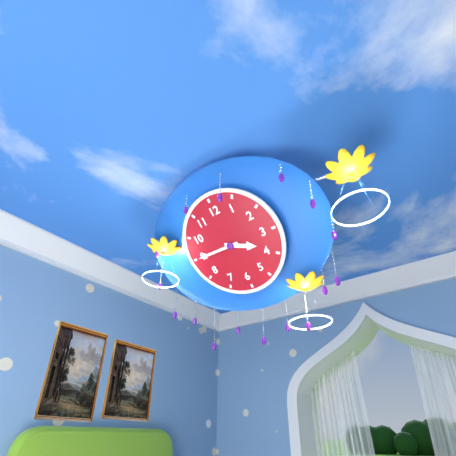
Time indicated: 3:45
